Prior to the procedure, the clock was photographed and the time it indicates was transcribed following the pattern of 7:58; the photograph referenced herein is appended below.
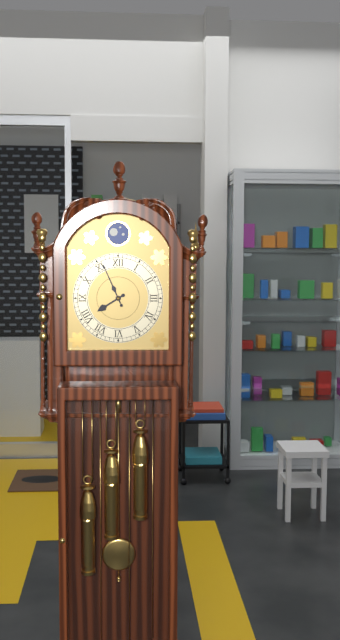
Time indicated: 7:56
